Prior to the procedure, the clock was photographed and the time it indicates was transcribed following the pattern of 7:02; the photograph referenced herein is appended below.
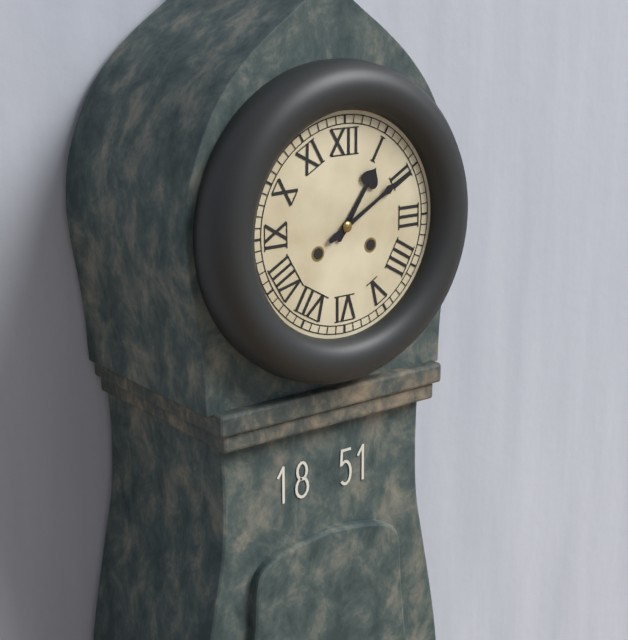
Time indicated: 1:10
